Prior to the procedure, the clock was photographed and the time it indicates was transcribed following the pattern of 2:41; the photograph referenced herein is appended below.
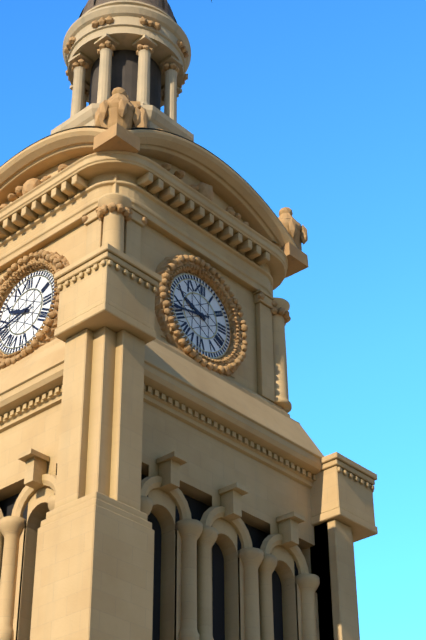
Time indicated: 9:43
